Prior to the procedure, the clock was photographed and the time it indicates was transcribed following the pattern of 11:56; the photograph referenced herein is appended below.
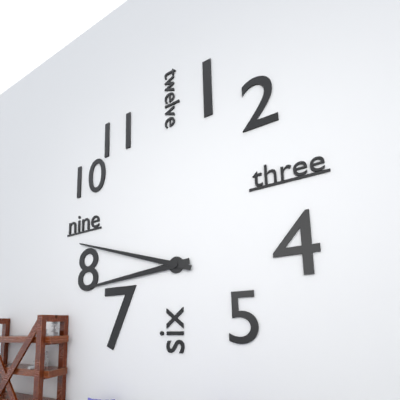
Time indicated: 8:48
